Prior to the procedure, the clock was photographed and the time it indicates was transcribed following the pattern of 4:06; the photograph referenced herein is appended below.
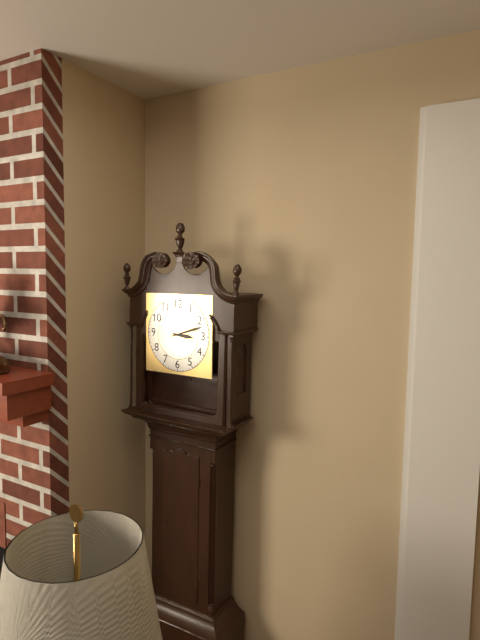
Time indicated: 3:12
